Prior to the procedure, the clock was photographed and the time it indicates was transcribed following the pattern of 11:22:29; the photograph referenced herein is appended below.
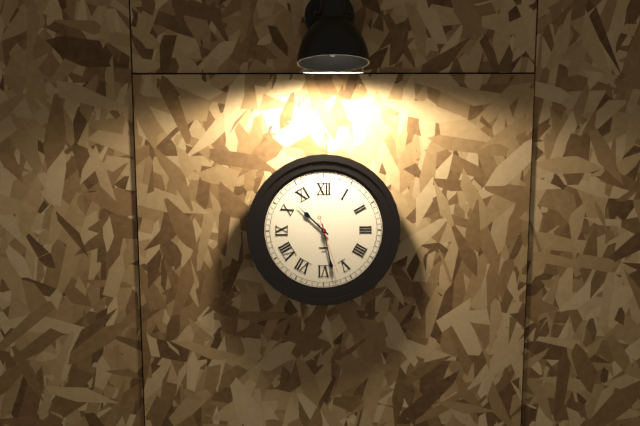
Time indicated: 10:28:27
